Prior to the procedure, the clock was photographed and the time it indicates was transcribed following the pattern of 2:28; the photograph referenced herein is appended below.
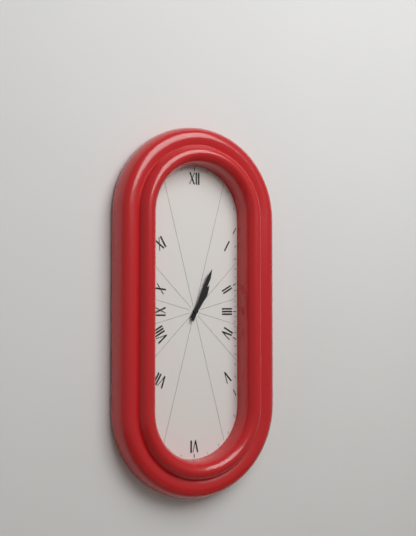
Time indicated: 1:04
